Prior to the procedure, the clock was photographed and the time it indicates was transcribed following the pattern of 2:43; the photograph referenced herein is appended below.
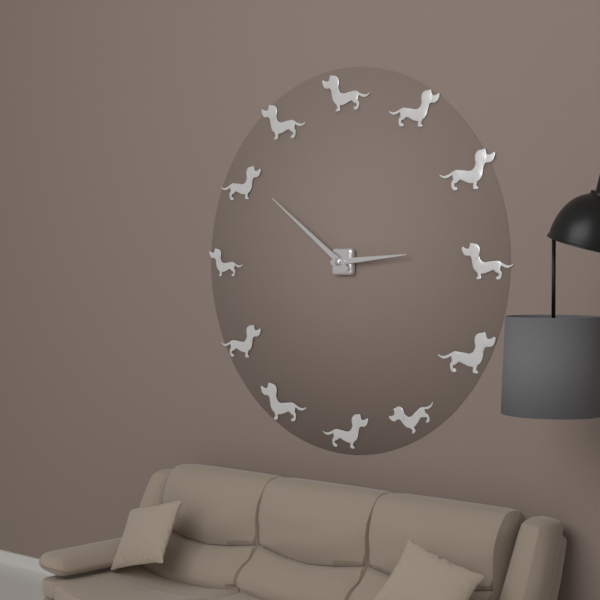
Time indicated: 2:51
